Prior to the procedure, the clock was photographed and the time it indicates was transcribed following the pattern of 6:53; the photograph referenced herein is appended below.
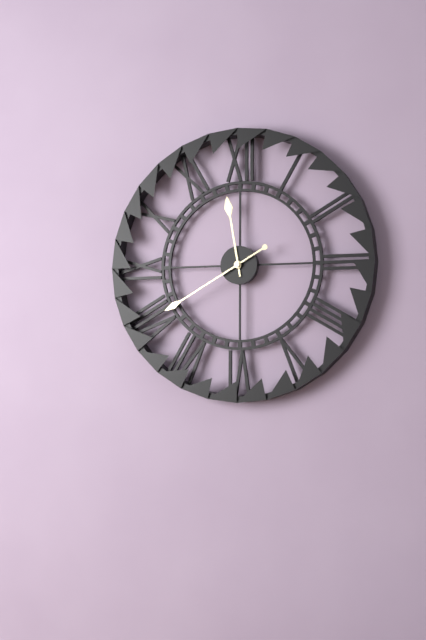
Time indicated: 11:40
